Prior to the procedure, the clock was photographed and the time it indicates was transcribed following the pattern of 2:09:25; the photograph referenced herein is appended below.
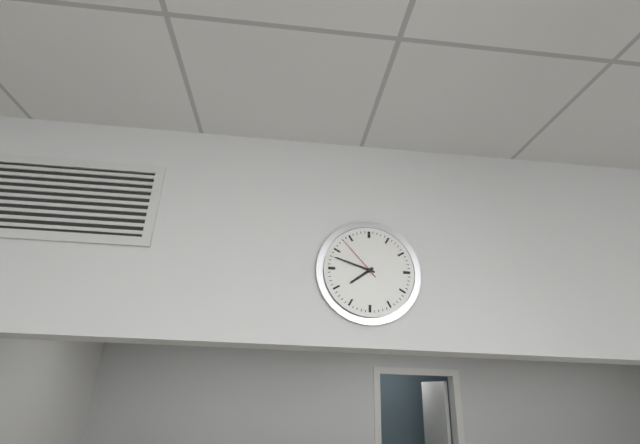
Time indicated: 7:48:53
